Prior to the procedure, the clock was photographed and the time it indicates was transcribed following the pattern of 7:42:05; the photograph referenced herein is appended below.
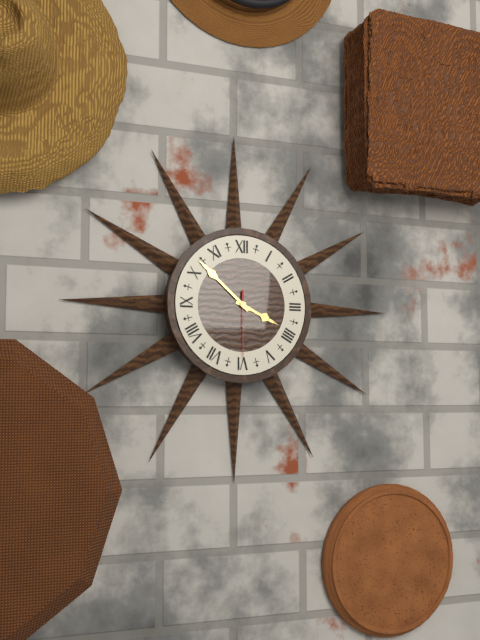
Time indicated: 3:52:30
